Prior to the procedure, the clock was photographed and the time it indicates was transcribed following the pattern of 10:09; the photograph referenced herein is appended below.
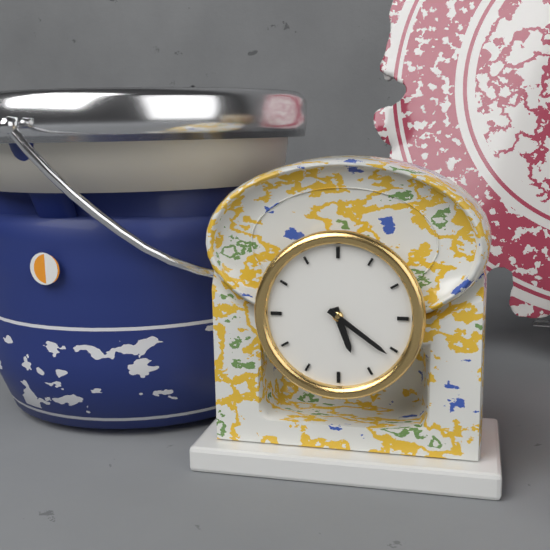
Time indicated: 5:21
